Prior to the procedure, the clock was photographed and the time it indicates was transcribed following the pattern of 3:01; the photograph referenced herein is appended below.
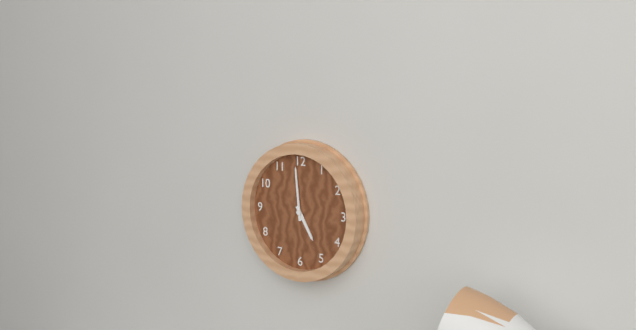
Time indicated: 4:59
